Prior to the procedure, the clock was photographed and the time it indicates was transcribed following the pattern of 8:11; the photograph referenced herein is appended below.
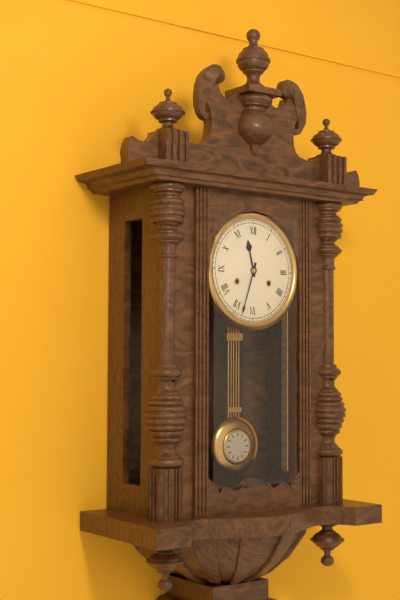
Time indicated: 11:33
